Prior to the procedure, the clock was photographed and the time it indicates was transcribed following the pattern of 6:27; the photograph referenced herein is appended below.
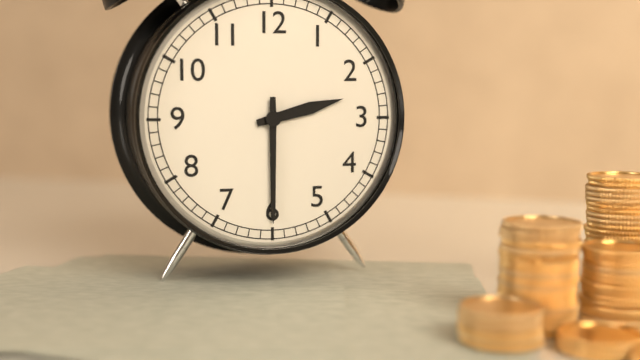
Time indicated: 2:30
